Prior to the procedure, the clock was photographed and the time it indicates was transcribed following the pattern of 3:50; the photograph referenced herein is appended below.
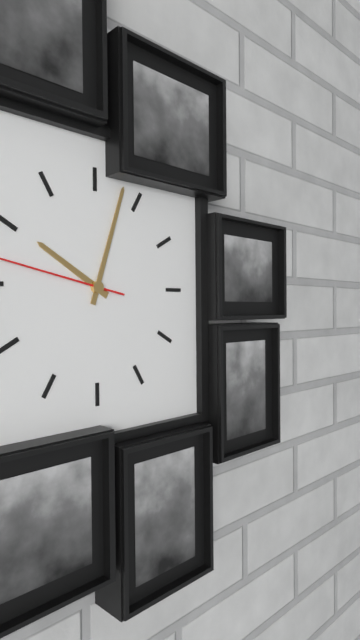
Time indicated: 10:03
